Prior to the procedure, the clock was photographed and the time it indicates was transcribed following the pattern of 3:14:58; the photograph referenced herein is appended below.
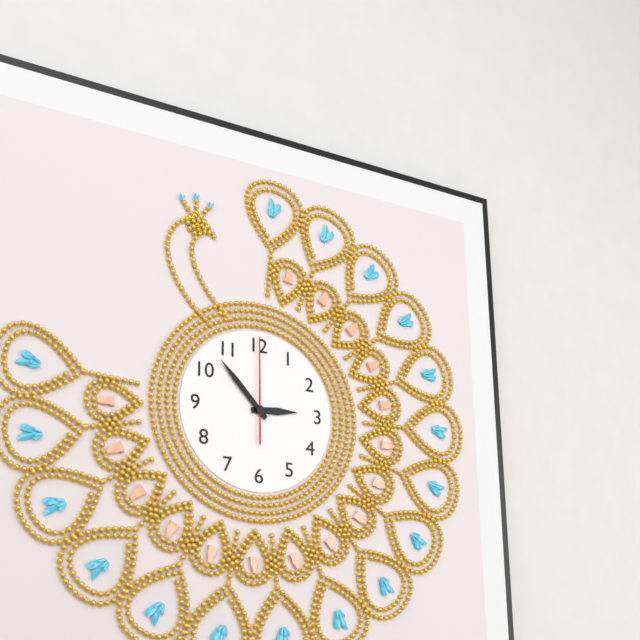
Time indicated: 2:53:00
